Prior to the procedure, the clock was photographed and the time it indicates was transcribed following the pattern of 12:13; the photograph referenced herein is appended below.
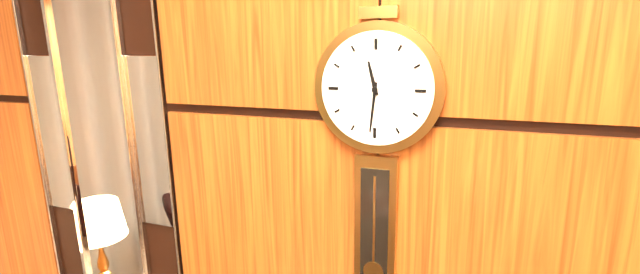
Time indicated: 11:31
